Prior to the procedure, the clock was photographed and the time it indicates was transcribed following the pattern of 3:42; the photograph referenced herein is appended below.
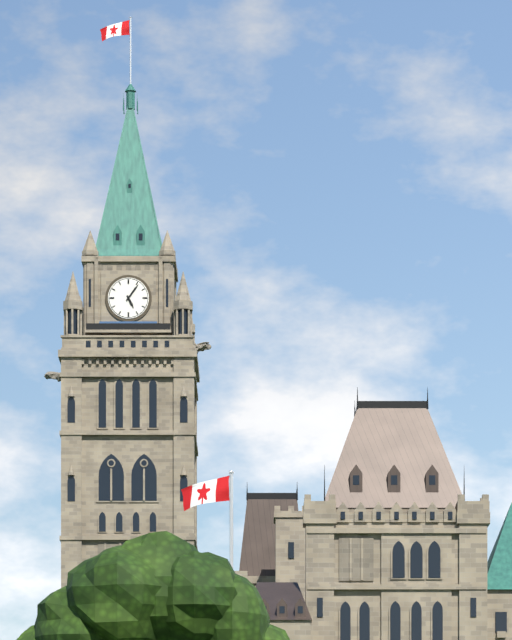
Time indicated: 5:06
